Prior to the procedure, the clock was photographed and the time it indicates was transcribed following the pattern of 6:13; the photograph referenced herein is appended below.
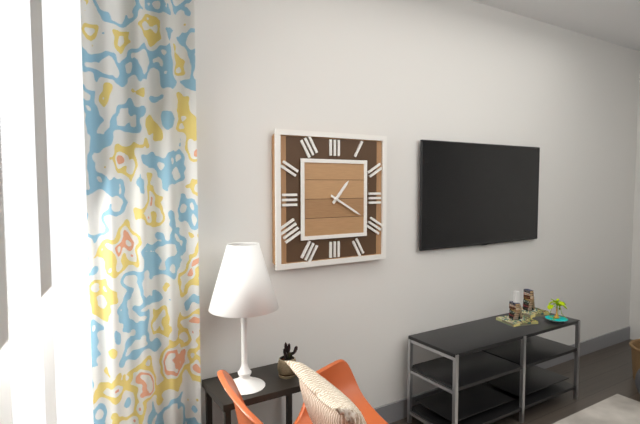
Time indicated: 1:20
